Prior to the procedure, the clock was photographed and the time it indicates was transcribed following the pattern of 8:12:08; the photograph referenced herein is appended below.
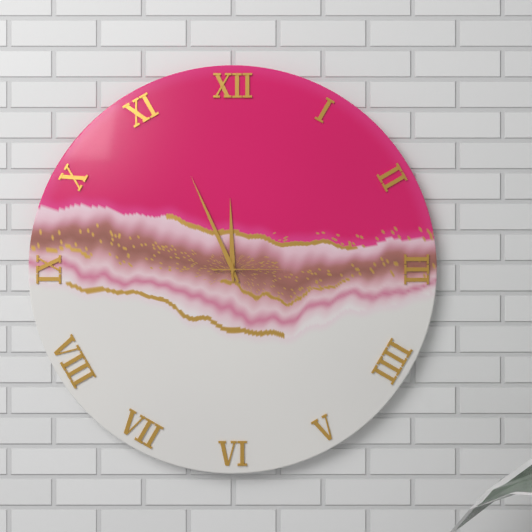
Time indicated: 11:56:15
